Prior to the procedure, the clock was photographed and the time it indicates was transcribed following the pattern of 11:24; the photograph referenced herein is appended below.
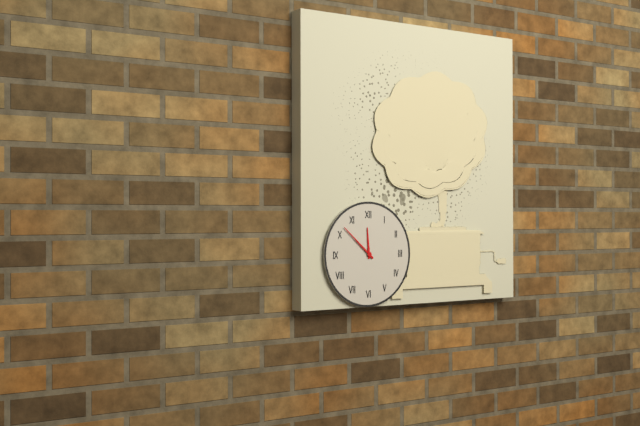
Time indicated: 11:52
